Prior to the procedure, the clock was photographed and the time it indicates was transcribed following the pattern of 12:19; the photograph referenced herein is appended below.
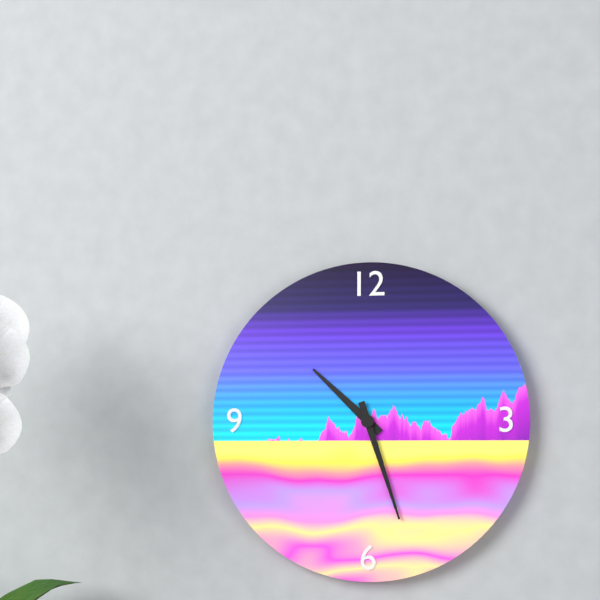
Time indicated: 10:27
